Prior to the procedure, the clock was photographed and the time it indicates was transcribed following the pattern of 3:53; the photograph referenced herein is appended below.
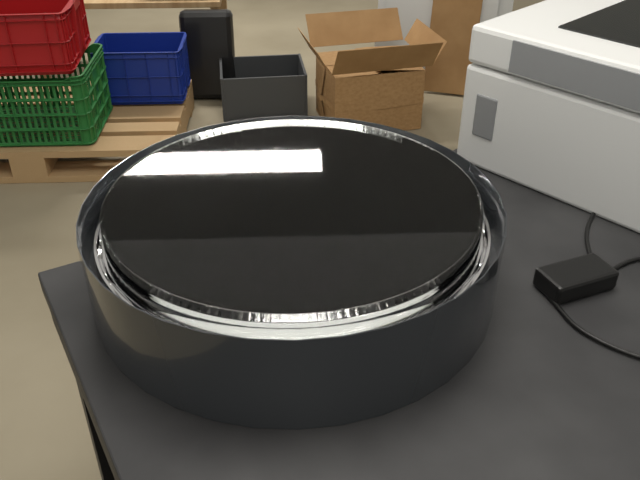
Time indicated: 1:59
